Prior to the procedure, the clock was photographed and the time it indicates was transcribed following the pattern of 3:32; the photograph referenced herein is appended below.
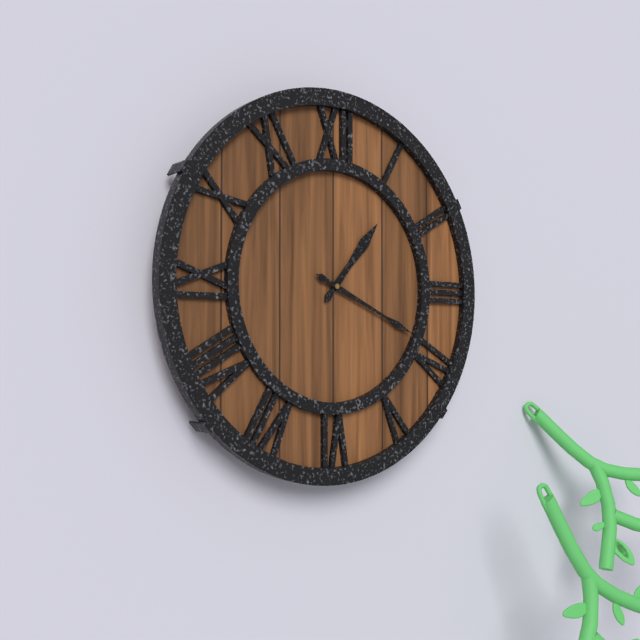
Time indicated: 1:19
